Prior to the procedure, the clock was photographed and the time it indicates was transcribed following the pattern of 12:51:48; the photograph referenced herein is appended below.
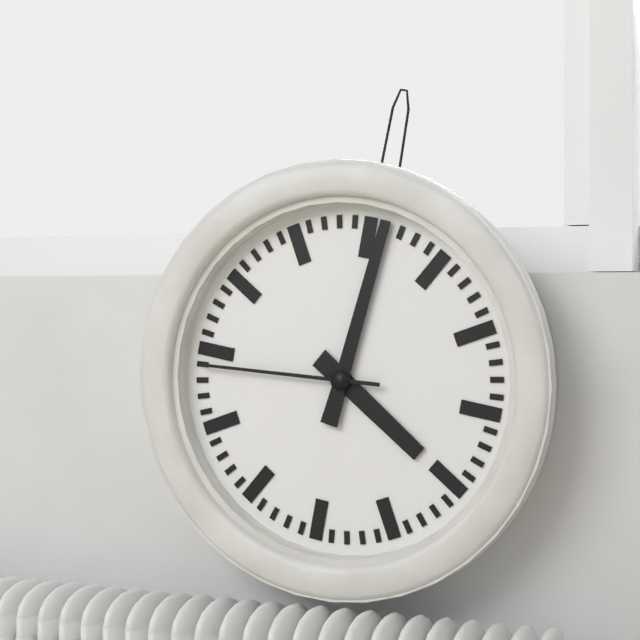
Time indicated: 4:01:44
